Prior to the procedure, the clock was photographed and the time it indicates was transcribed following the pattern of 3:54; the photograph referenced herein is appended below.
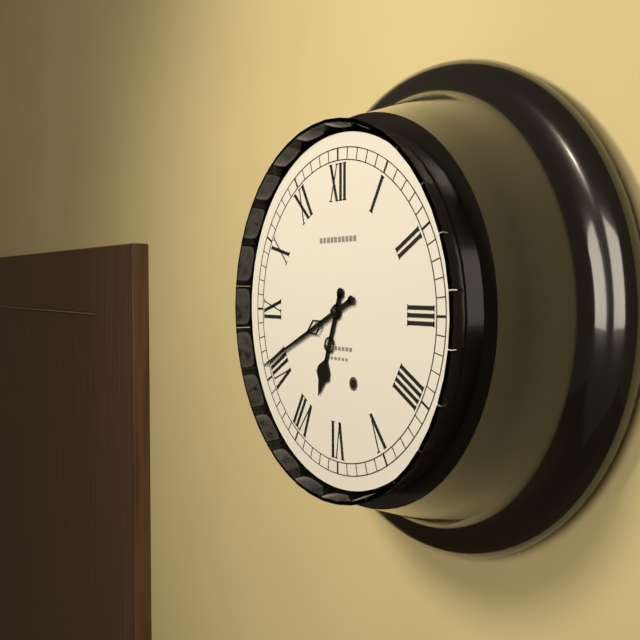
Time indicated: 6:41
